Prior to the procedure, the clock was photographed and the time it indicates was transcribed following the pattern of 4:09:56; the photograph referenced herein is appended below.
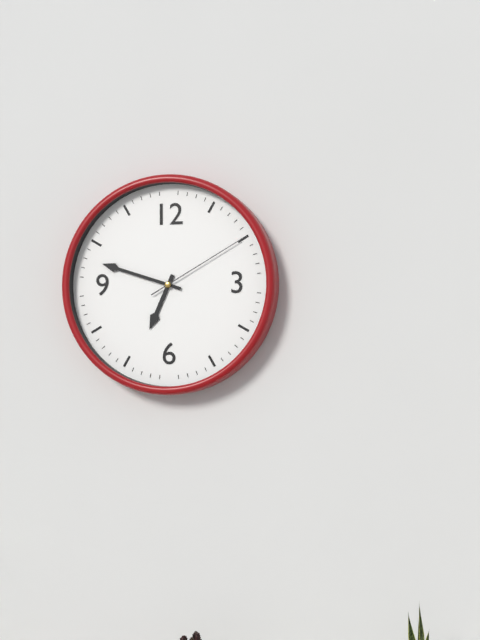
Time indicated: 6:48:10
